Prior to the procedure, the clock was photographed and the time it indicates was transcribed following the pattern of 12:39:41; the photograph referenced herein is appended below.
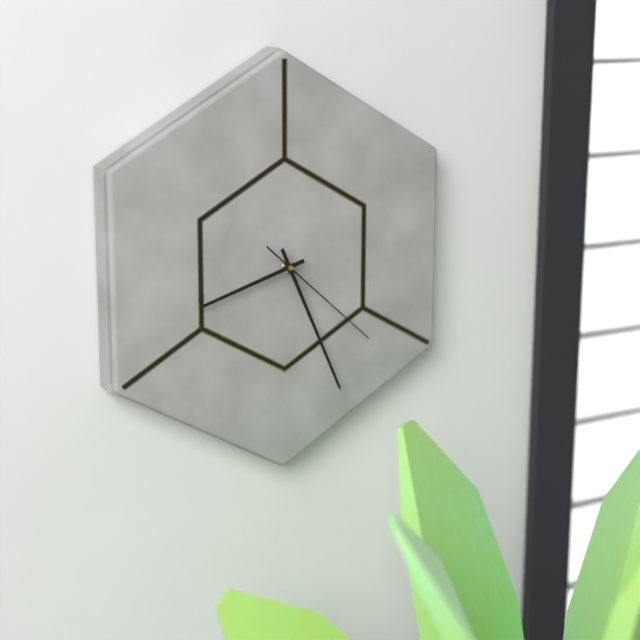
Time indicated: 8:26:22
